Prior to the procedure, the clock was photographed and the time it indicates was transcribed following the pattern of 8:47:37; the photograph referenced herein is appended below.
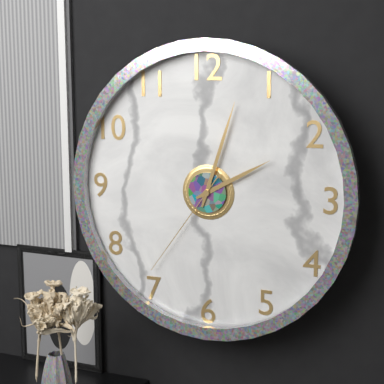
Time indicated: 2:03:36
